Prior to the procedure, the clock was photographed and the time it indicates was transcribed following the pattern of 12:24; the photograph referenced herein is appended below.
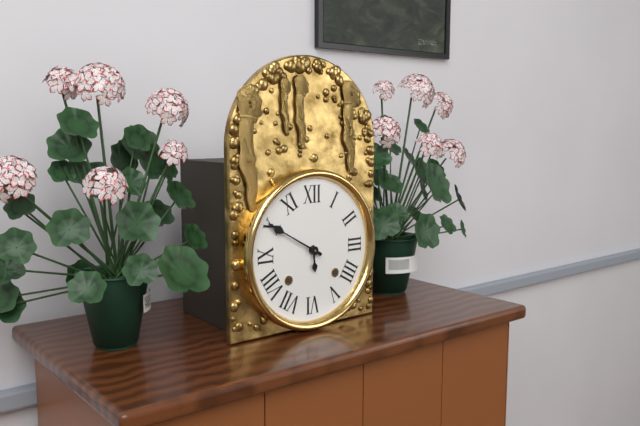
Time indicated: 5:50
